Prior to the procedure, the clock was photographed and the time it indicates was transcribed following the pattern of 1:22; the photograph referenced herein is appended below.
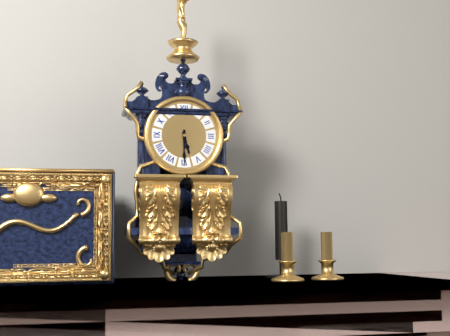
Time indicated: 5:30
